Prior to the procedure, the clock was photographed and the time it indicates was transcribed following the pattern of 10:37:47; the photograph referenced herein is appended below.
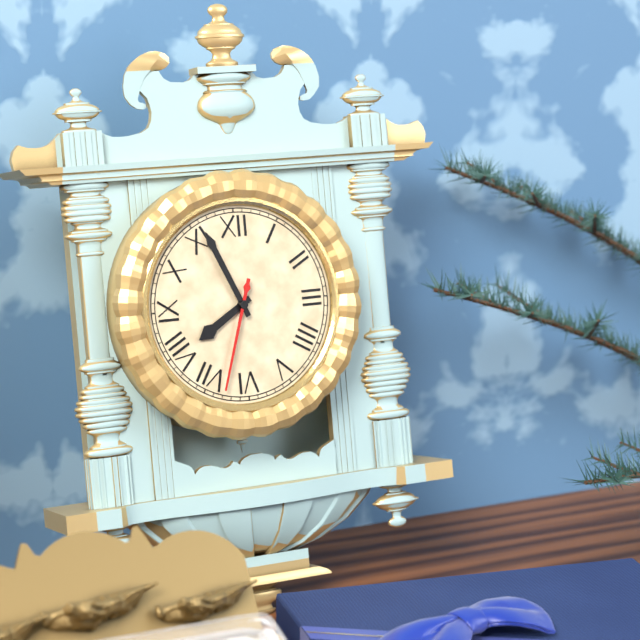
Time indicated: 7:56:33
